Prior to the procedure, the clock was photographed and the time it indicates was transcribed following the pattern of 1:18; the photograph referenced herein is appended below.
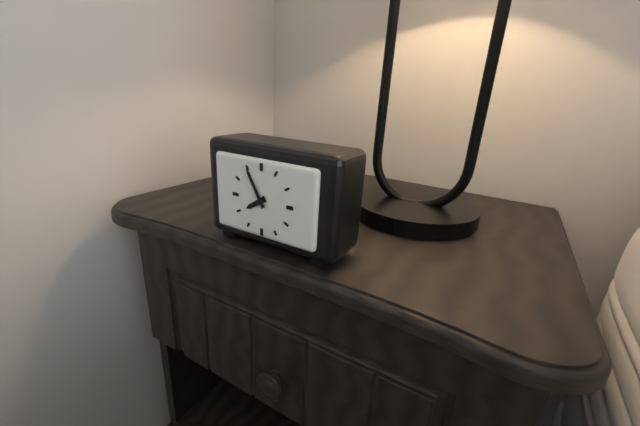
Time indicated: 7:55
